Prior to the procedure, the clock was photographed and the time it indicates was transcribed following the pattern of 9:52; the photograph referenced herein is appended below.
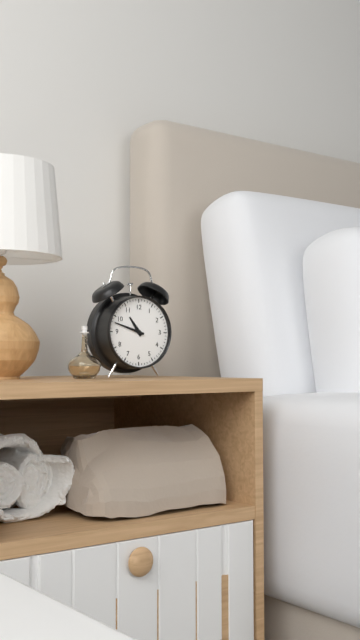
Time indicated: 10:48
